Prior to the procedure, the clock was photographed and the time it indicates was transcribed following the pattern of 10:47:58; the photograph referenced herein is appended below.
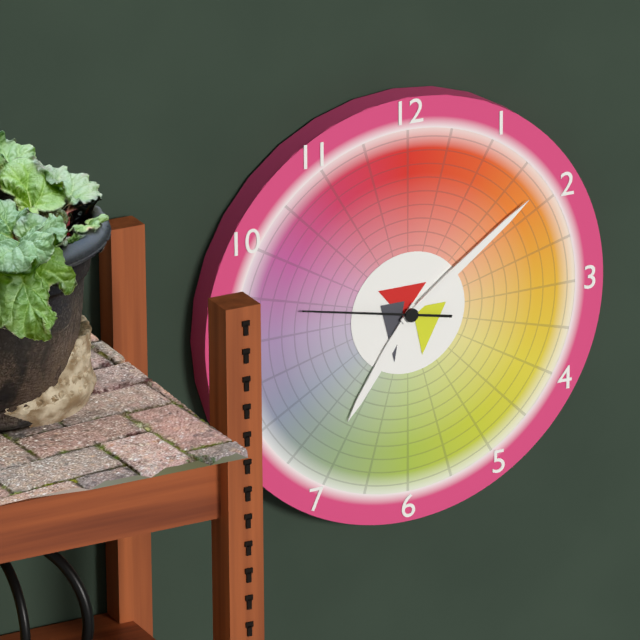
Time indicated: 7:09:47
